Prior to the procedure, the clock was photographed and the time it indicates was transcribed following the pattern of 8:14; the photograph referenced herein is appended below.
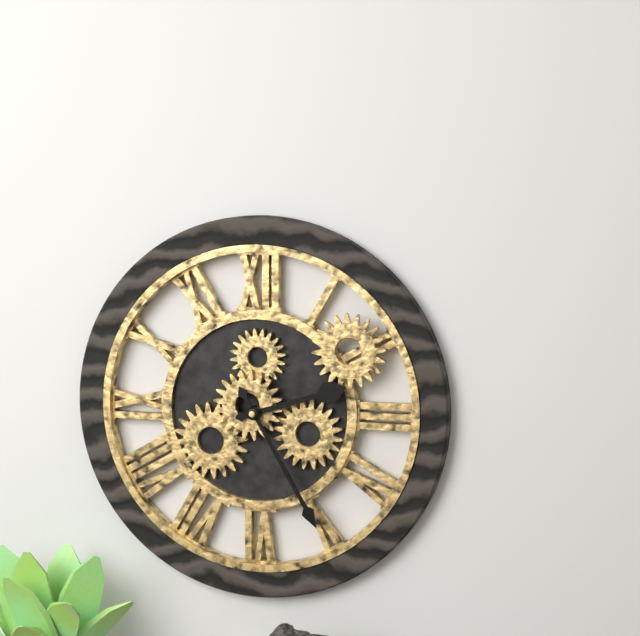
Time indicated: 2:25
